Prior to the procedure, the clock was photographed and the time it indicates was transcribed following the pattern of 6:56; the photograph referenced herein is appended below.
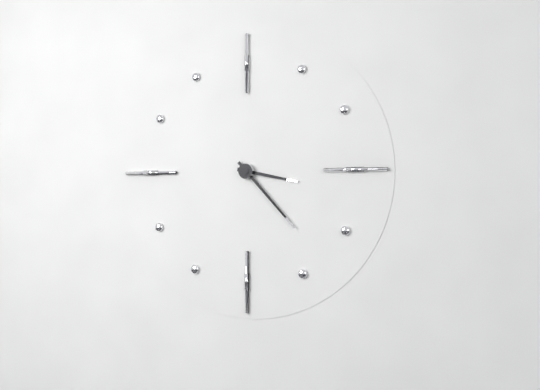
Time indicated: 3:23
